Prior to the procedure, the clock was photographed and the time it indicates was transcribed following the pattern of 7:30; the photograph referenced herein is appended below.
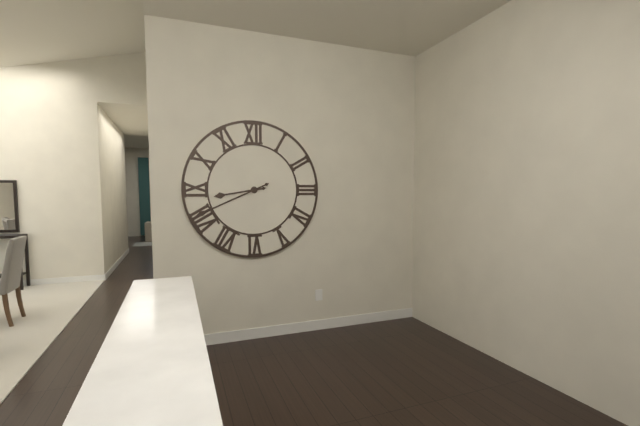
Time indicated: 8:41
